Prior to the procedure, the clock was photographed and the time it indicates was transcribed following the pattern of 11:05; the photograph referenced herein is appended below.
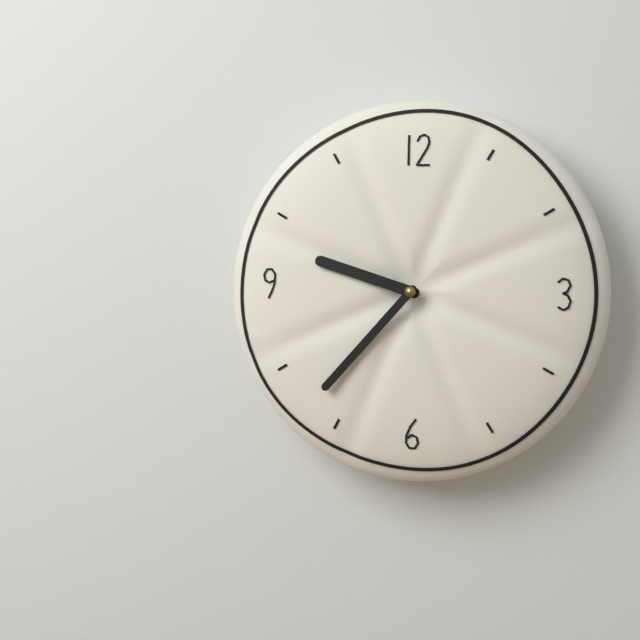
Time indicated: 9:37
